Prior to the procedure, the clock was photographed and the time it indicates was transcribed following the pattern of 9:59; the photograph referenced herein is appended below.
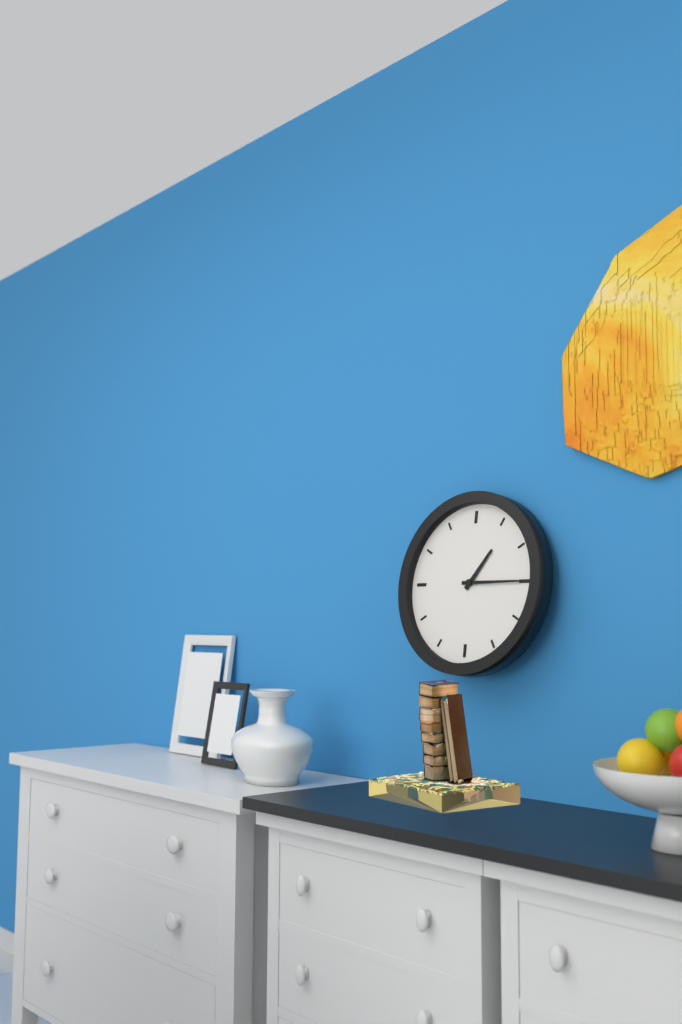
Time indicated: 1:15
